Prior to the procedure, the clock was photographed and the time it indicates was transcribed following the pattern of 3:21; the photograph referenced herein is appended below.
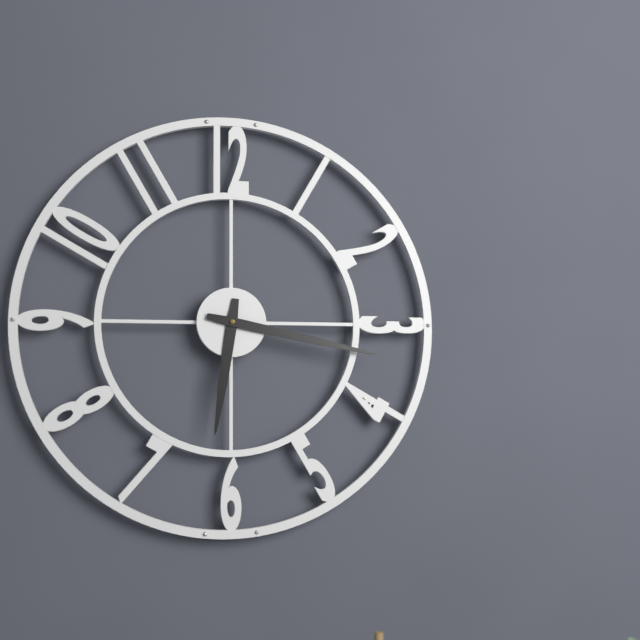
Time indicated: 6:17
